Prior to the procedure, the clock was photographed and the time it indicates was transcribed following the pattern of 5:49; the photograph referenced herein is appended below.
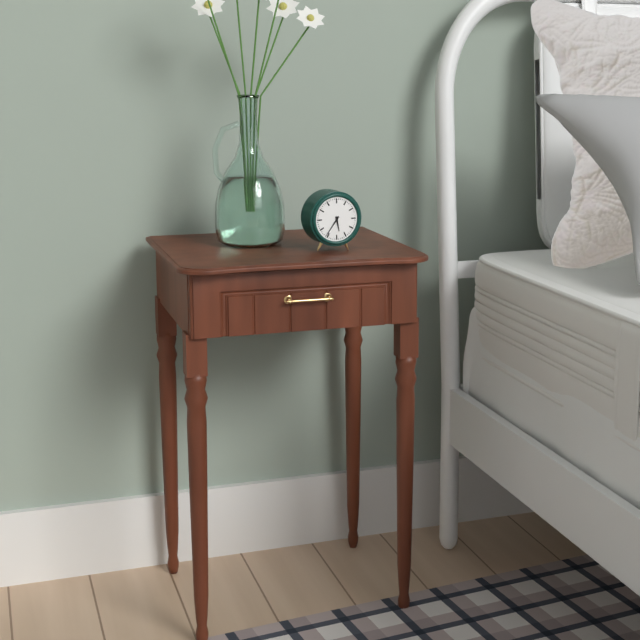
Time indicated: 5:36
